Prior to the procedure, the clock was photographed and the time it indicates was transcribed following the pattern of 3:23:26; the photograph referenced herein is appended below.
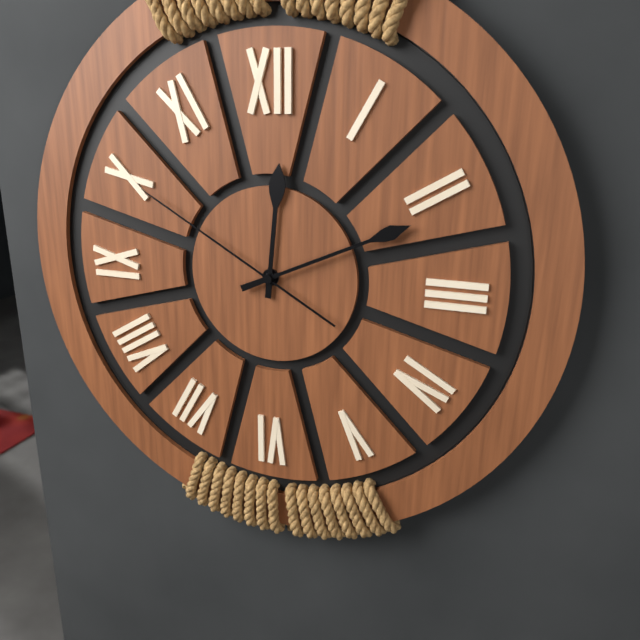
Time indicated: 12:11:50
